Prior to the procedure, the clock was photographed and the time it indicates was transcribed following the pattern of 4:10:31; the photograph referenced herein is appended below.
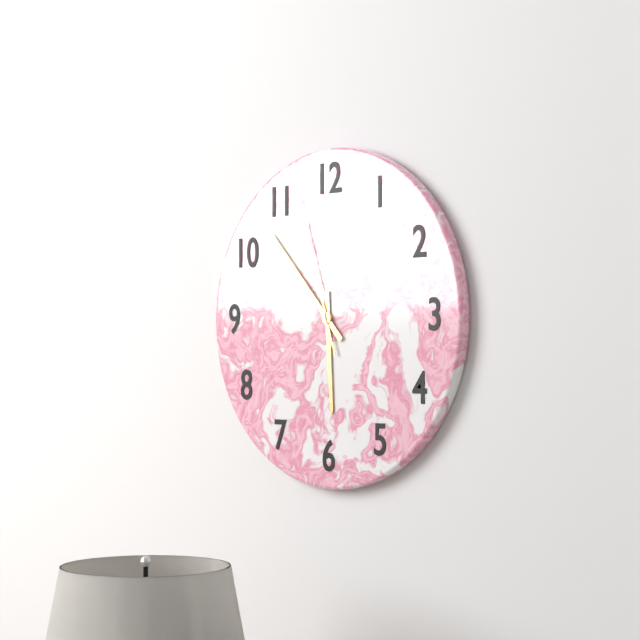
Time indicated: 5:53:57
